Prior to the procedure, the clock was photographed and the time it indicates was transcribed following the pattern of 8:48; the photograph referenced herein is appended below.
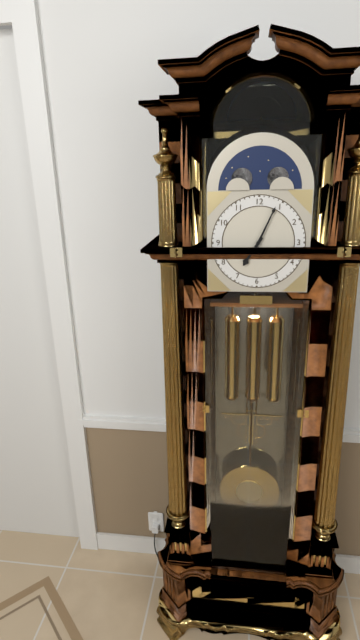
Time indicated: 7:04
